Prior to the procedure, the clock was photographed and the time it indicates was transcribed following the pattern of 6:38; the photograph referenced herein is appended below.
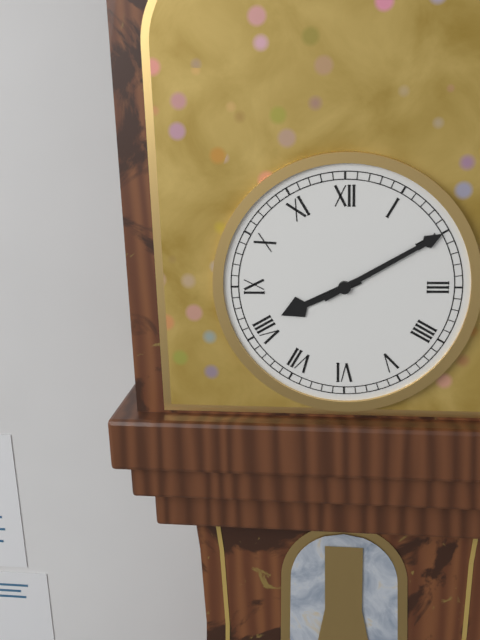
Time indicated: 8:10
